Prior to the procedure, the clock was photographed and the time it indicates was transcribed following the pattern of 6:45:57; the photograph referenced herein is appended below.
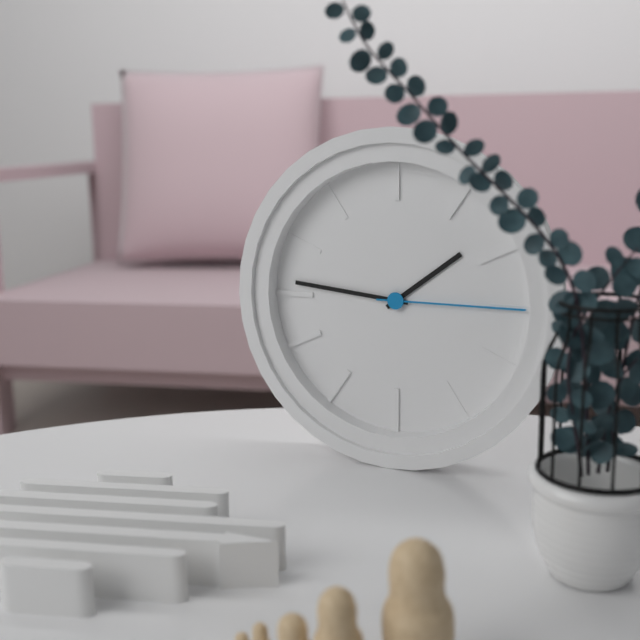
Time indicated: 1:46:15
